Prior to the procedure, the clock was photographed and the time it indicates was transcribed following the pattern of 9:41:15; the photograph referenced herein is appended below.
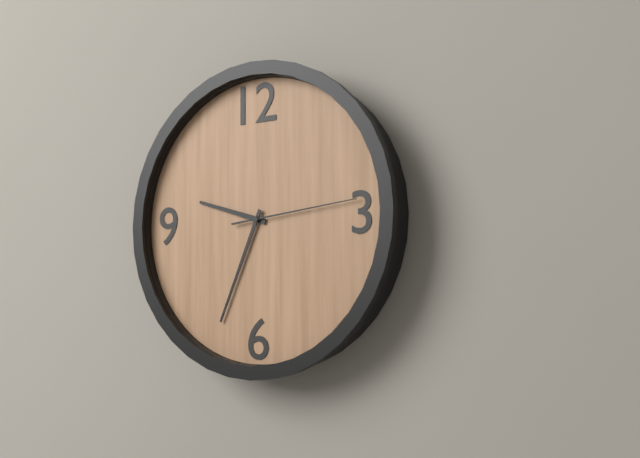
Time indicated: 9:34:14
